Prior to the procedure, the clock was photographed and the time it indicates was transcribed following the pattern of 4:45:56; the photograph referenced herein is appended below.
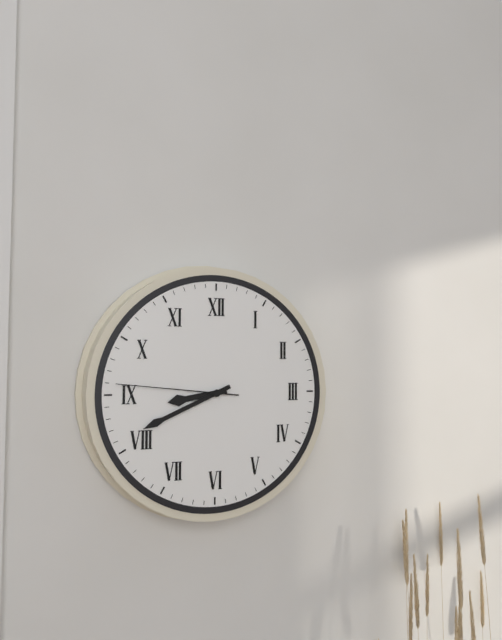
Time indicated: 8:41:46
